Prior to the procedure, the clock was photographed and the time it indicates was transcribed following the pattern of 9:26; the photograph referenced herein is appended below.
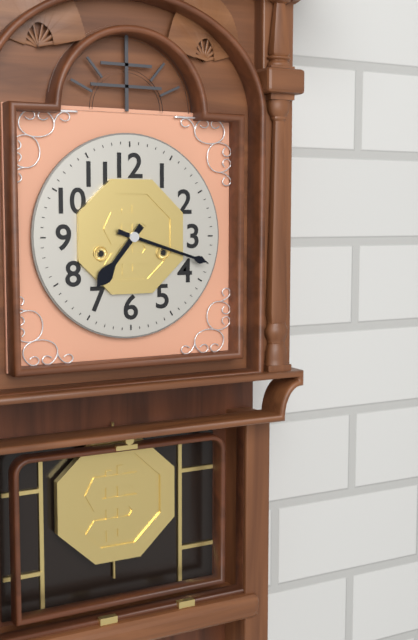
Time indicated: 7:18
